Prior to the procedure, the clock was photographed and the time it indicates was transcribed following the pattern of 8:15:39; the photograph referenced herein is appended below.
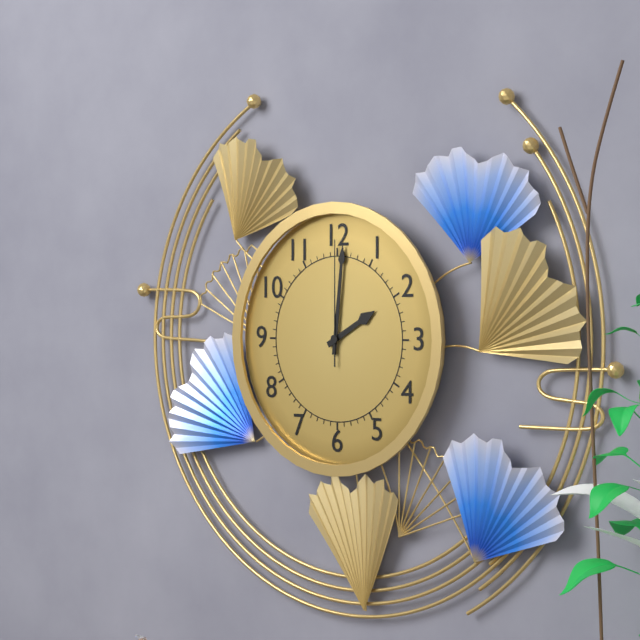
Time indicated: 2:01:00
